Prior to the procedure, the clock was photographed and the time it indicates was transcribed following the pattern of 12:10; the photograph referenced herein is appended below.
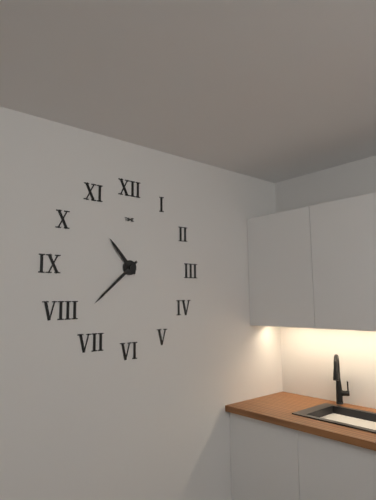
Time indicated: 10:38
